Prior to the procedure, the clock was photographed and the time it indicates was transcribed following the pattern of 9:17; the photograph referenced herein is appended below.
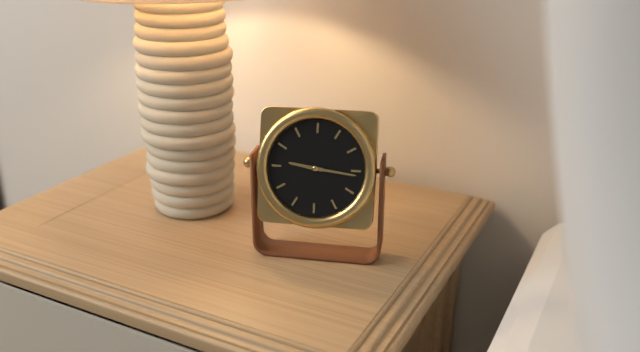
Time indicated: 9:16
